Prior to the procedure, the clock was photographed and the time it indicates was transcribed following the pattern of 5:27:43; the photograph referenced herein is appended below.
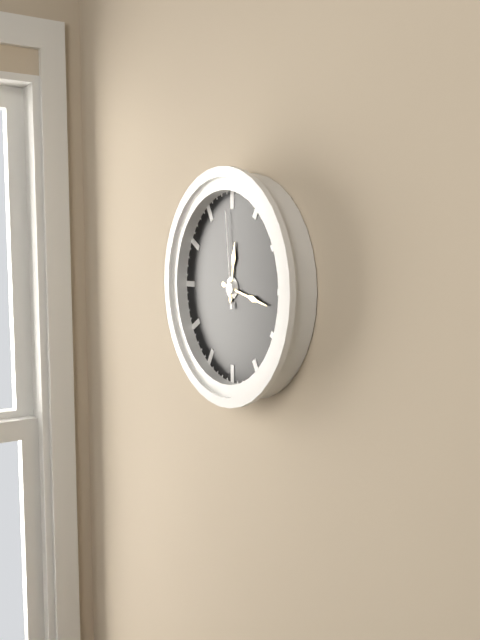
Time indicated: 12:17:59
